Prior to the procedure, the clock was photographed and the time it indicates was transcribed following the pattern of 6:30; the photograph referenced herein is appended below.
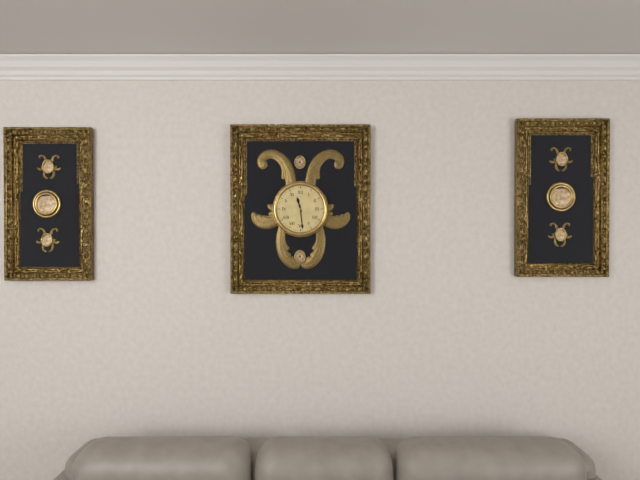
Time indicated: 11:29
